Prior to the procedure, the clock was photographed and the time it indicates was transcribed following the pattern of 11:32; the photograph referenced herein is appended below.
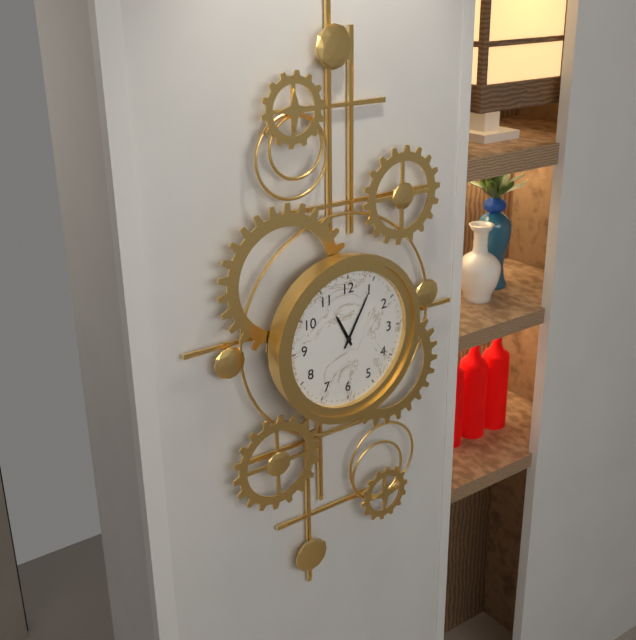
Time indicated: 11:05
